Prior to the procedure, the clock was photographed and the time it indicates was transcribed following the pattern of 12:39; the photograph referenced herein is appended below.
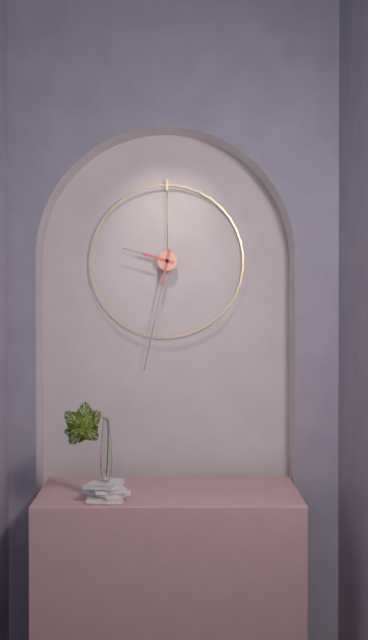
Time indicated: 9:32
